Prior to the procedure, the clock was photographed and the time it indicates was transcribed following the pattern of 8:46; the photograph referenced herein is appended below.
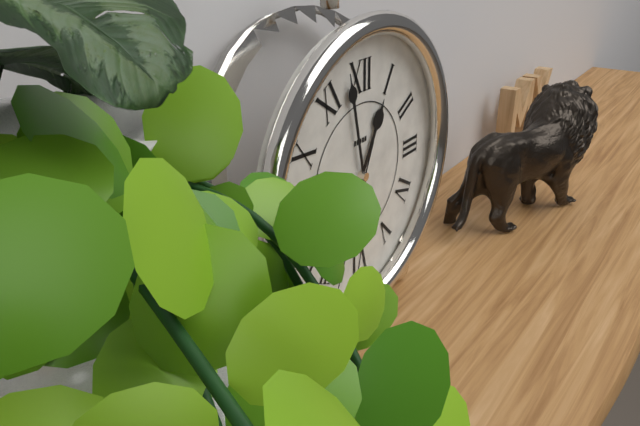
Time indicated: 12:58
